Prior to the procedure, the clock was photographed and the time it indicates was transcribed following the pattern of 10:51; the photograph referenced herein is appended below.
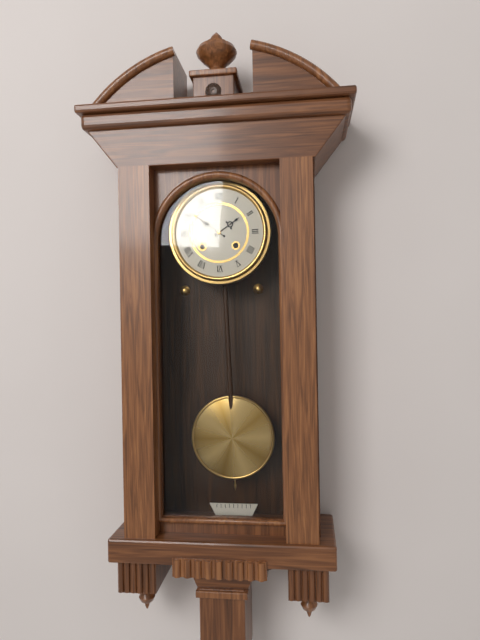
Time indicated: 1:51
